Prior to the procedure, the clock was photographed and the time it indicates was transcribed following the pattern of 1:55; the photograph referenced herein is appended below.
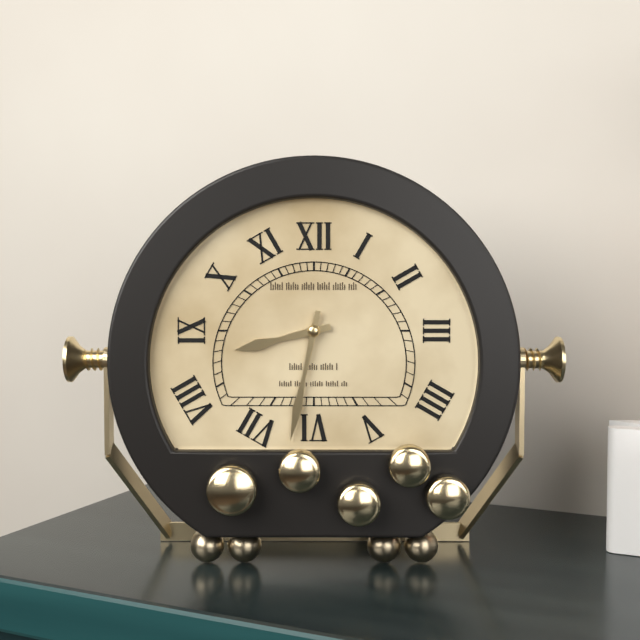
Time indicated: 8:32
